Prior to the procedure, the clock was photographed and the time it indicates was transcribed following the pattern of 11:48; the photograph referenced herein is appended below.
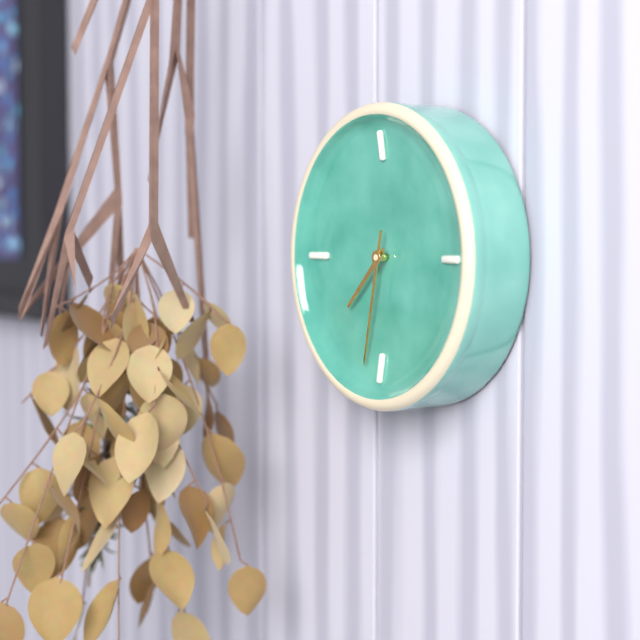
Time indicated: 7:32
